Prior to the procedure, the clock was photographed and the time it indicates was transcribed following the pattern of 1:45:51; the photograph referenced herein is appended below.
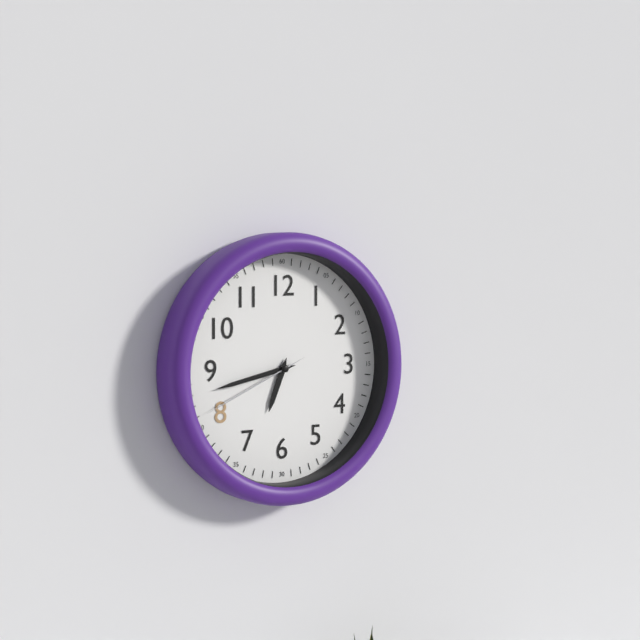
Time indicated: 6:43:41
